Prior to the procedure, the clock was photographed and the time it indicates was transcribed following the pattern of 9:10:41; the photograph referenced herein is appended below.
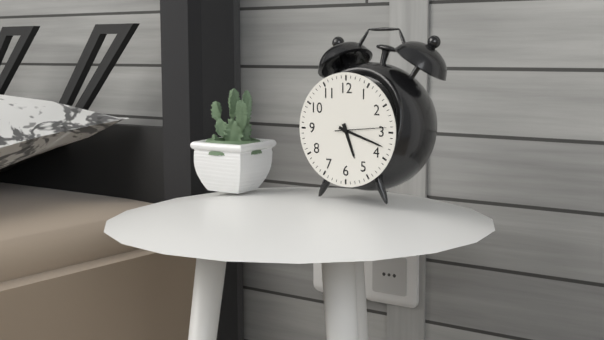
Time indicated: 5:18:14
